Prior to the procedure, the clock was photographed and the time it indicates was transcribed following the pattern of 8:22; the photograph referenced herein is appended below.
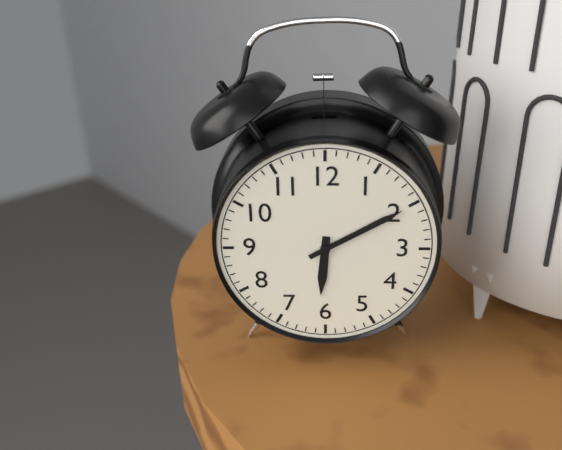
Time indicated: 6:10
